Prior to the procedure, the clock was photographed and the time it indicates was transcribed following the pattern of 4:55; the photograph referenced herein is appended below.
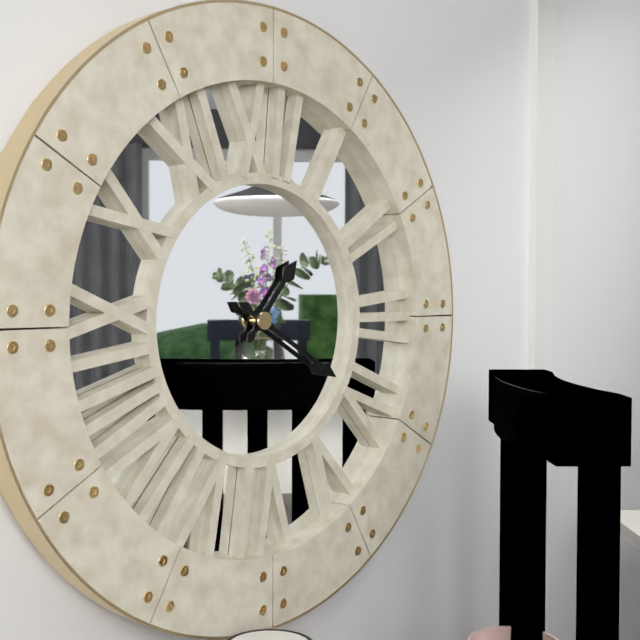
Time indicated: 1:20
